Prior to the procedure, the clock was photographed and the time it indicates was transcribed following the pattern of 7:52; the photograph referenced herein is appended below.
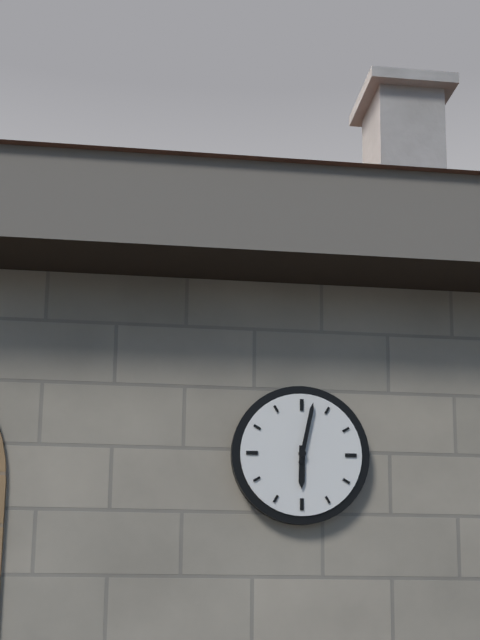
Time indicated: 6:02
